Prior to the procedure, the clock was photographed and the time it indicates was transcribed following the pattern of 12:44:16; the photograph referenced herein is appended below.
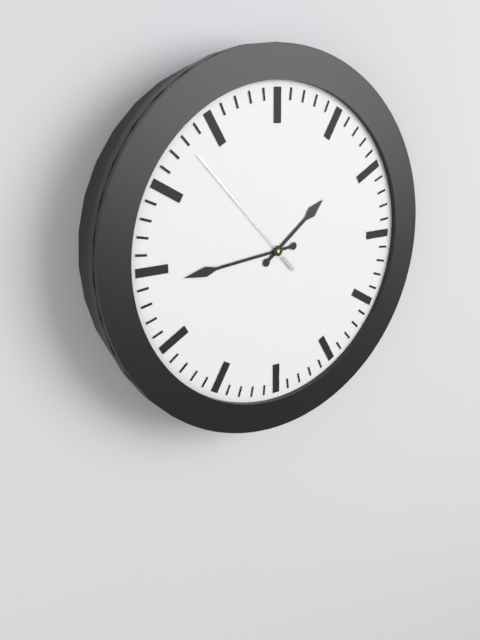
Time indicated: 1:44:53
